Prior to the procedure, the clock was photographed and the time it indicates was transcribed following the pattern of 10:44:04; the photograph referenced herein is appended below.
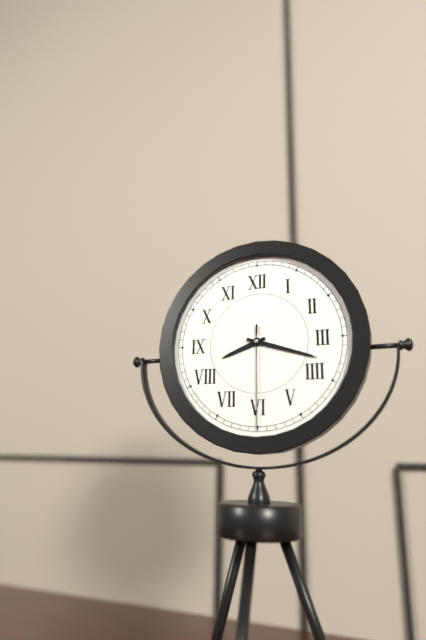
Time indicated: 8:18:30
